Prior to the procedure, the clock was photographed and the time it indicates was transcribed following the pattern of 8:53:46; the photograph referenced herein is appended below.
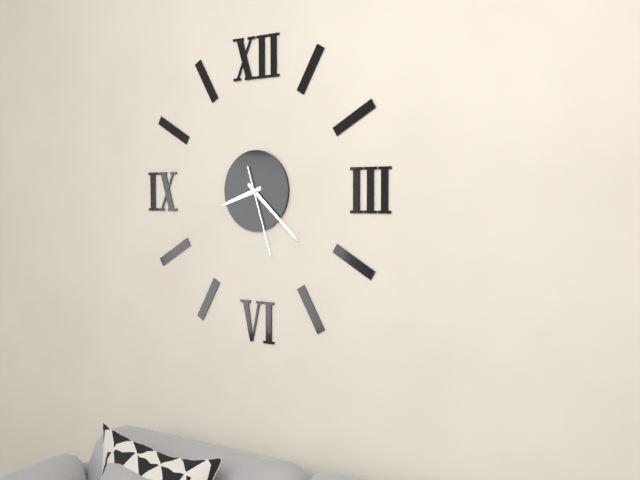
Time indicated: 8:22:27
